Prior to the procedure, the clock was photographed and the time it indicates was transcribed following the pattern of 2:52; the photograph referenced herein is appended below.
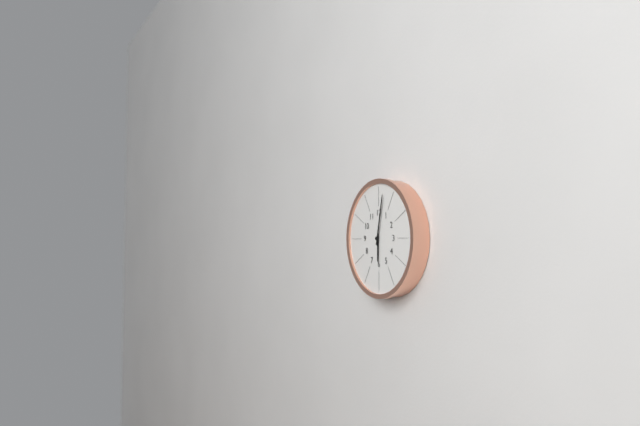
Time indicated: 6:02
